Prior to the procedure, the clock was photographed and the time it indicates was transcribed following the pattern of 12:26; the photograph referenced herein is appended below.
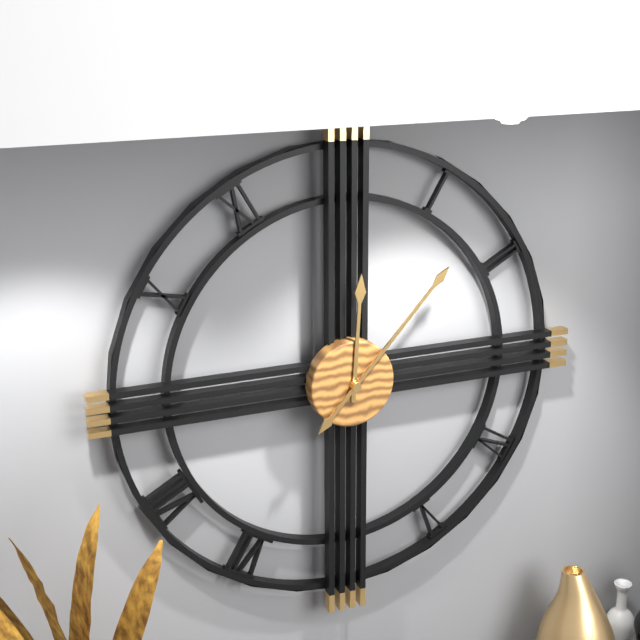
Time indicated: 12:07
